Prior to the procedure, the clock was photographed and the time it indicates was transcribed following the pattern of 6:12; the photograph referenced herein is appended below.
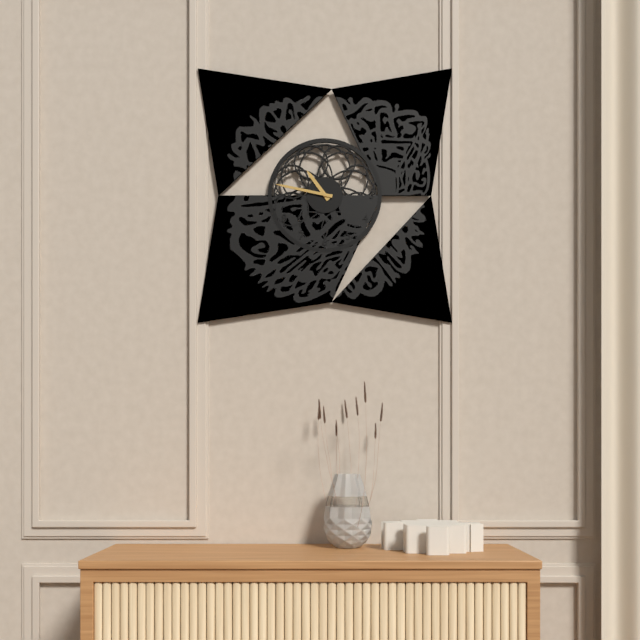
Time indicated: 10:47
